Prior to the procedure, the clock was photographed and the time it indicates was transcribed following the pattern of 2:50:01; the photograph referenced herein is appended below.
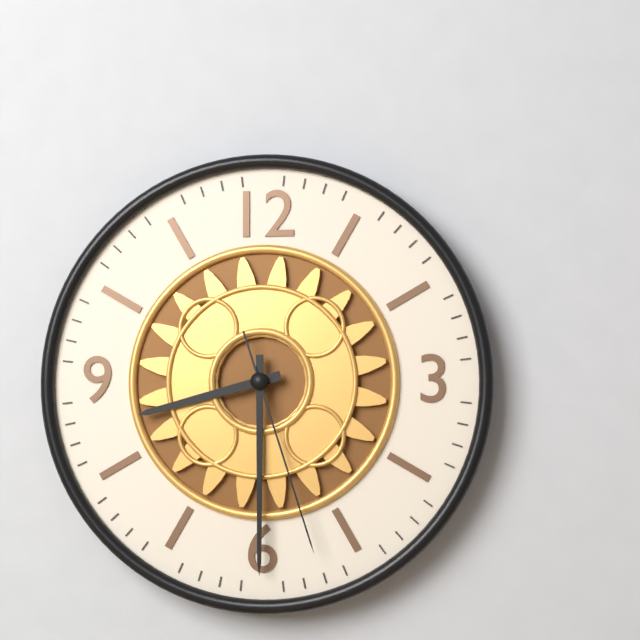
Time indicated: 8:30:27
